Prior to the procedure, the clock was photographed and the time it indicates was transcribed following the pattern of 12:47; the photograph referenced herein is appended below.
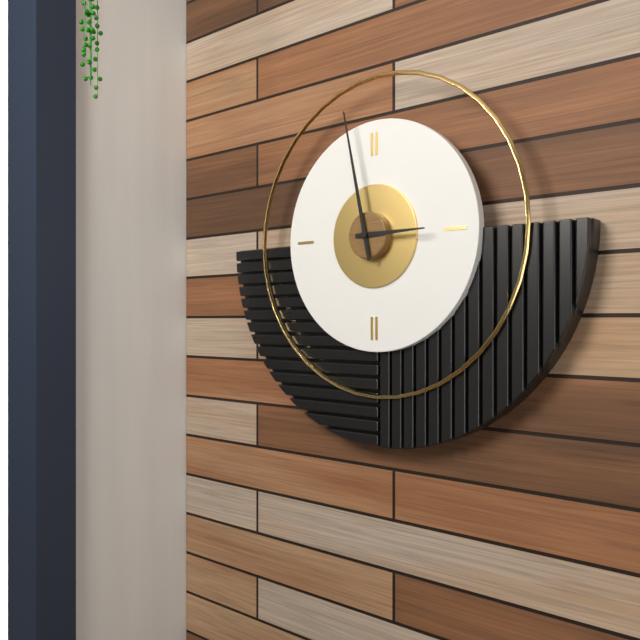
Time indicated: 2:58
